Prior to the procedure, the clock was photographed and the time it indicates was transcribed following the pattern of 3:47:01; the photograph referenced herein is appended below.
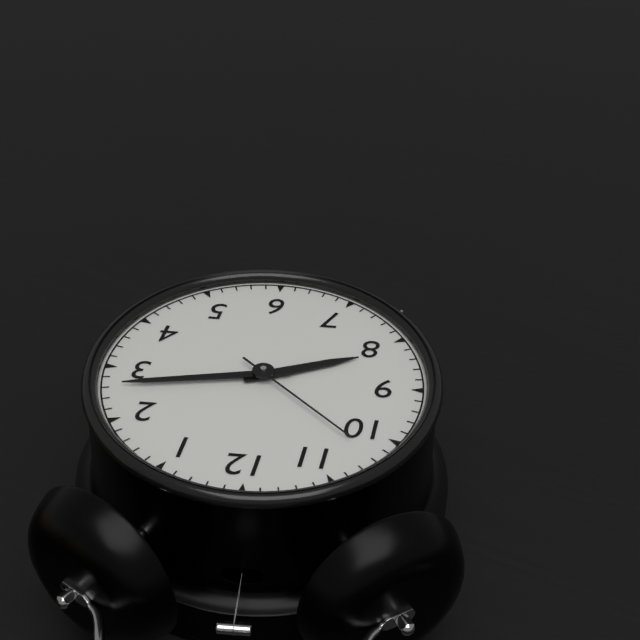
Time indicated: 8:13:52
